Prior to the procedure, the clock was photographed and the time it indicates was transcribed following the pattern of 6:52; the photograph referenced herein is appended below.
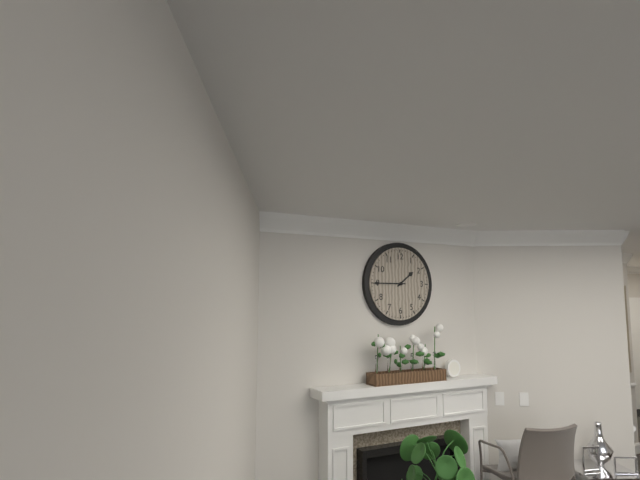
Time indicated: 1:45
